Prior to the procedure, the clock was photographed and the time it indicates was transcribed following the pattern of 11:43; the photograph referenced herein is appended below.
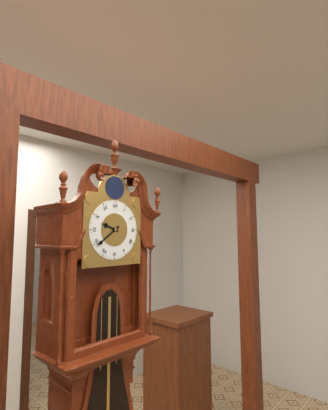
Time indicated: 9:39
